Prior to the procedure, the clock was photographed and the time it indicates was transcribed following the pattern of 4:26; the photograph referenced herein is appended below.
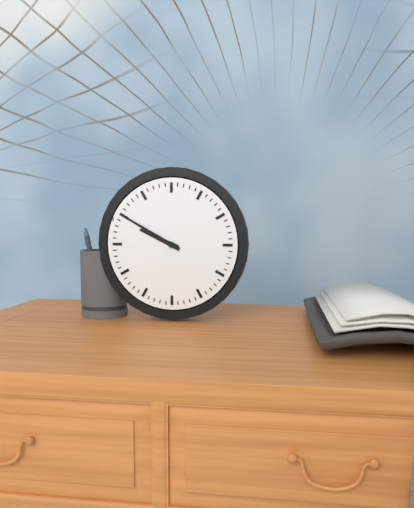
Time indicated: 9:50
